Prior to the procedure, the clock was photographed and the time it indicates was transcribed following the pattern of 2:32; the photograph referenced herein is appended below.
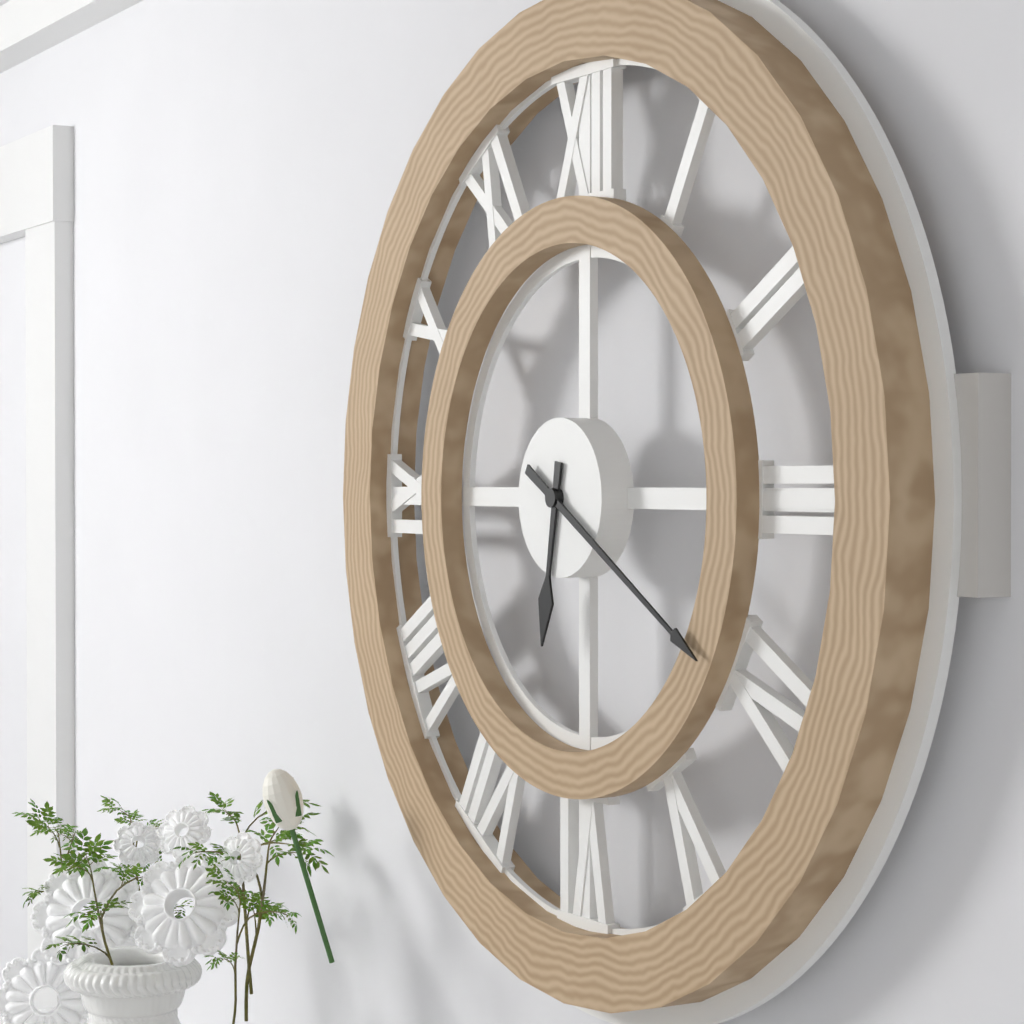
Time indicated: 6:20
